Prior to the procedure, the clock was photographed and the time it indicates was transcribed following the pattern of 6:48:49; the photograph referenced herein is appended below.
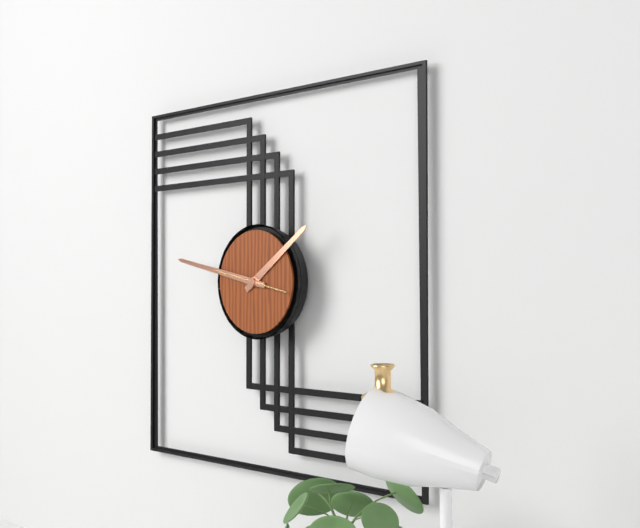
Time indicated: 1:47:47
